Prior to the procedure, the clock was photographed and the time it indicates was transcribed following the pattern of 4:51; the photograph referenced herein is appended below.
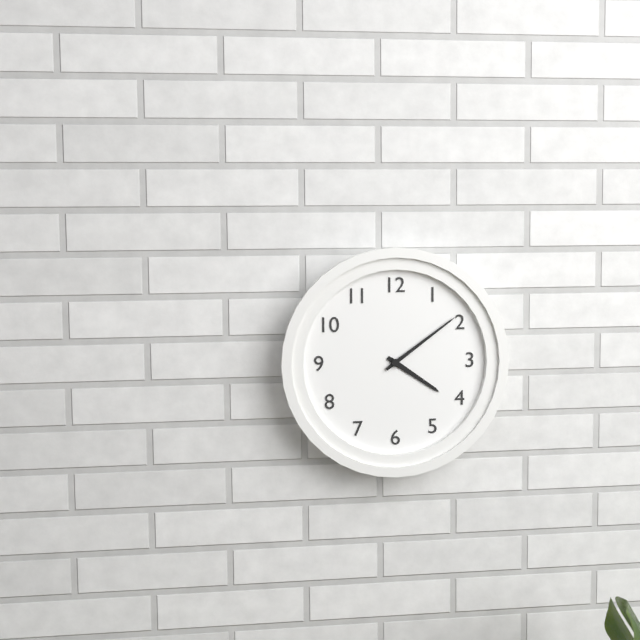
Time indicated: 4:09
